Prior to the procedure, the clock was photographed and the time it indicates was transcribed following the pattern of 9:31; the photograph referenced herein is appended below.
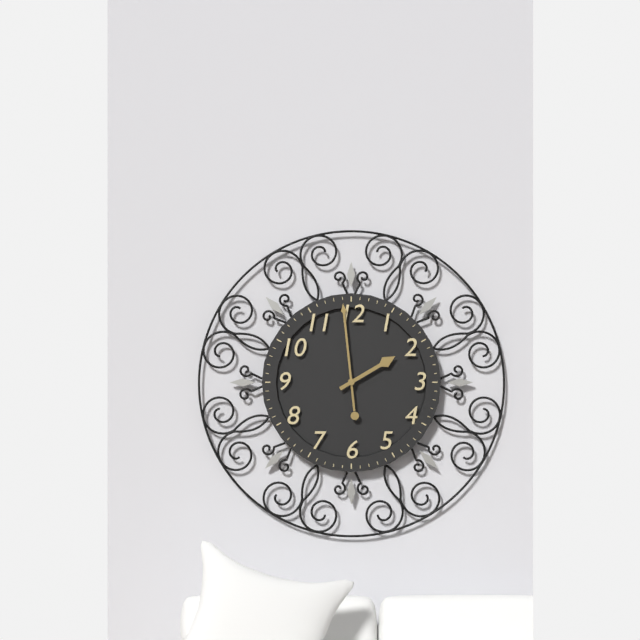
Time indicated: 1:59
